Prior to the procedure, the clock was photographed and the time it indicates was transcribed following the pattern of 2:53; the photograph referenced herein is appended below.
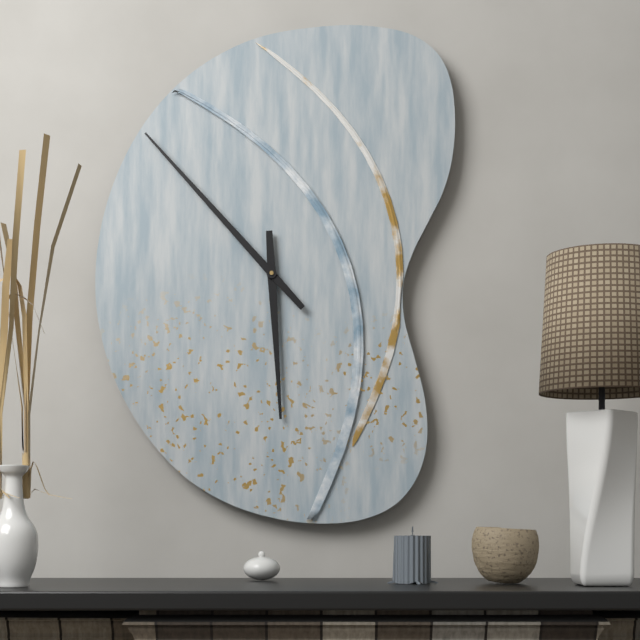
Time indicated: 5:53
